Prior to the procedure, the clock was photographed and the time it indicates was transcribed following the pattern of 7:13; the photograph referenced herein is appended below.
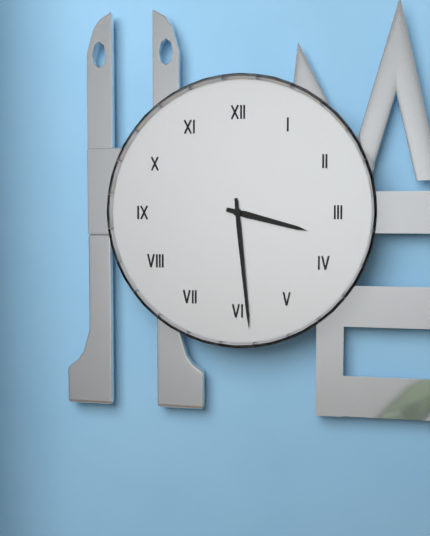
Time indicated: 3:29
